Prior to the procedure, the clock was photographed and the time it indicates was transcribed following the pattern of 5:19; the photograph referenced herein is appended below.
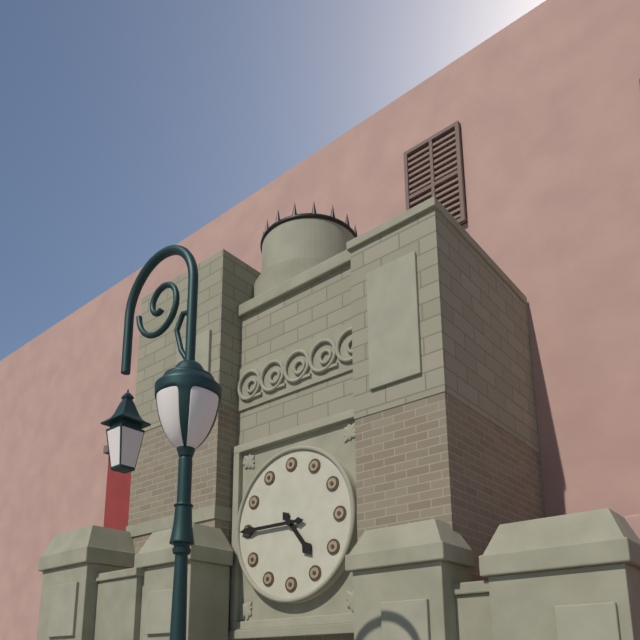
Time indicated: 4:45
